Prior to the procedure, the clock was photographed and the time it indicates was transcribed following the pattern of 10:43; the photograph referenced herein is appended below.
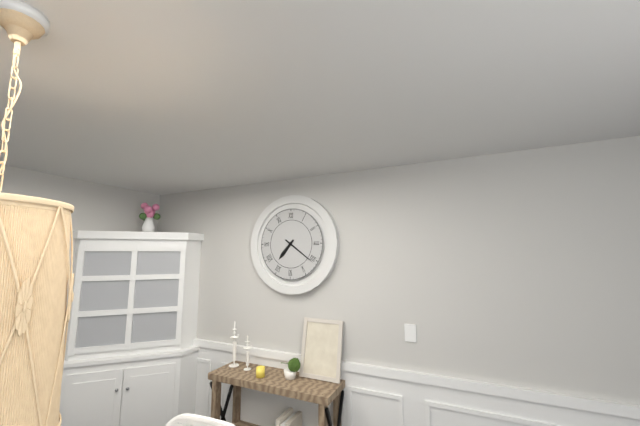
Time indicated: 7:21
